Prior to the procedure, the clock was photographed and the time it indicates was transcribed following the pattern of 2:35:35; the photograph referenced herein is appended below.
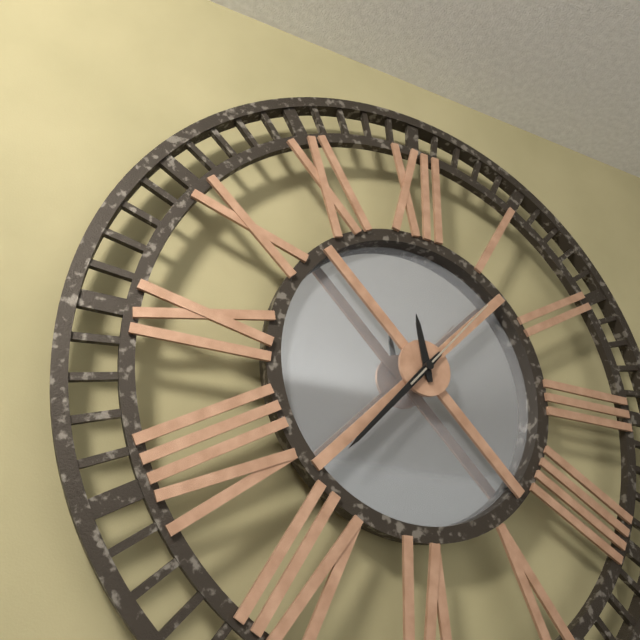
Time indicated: 11:37:07
